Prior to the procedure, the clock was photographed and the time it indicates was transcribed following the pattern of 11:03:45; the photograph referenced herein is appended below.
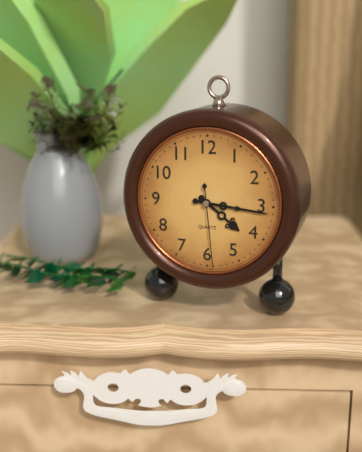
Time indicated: 4:16:29
